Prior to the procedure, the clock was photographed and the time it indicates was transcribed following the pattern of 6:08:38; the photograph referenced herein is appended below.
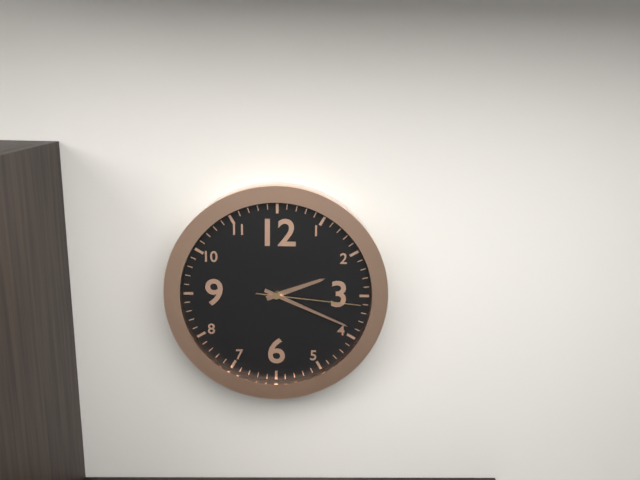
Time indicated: 2:19:16
